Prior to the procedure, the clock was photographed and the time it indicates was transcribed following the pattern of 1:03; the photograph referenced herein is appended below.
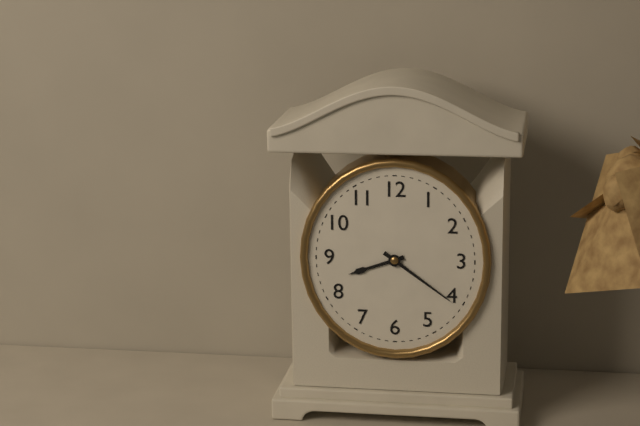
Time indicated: 8:21
